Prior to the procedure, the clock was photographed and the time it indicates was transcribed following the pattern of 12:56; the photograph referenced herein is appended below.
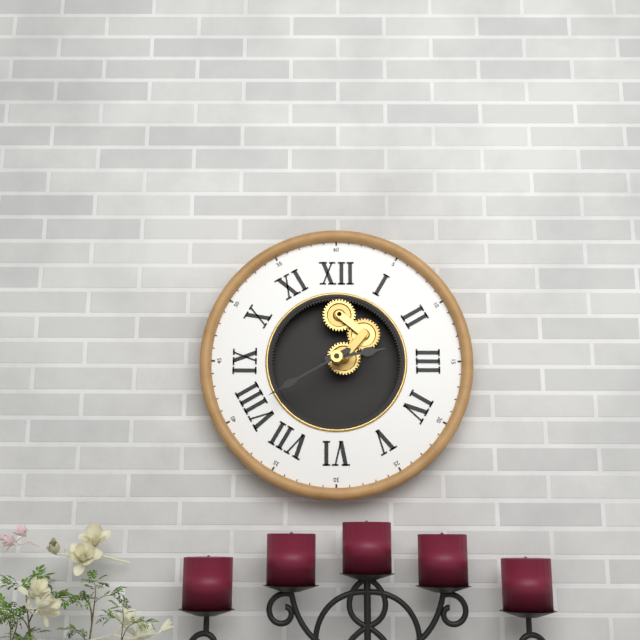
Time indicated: 2:40
